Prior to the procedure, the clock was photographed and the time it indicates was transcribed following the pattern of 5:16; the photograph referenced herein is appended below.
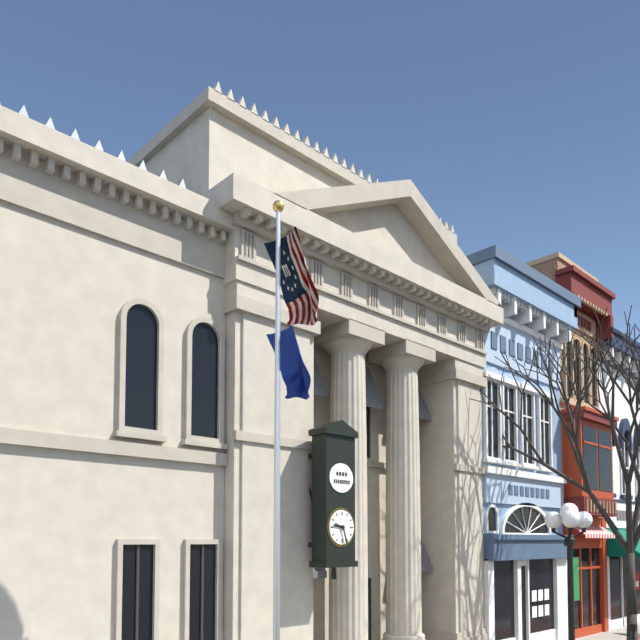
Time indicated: 9:27
